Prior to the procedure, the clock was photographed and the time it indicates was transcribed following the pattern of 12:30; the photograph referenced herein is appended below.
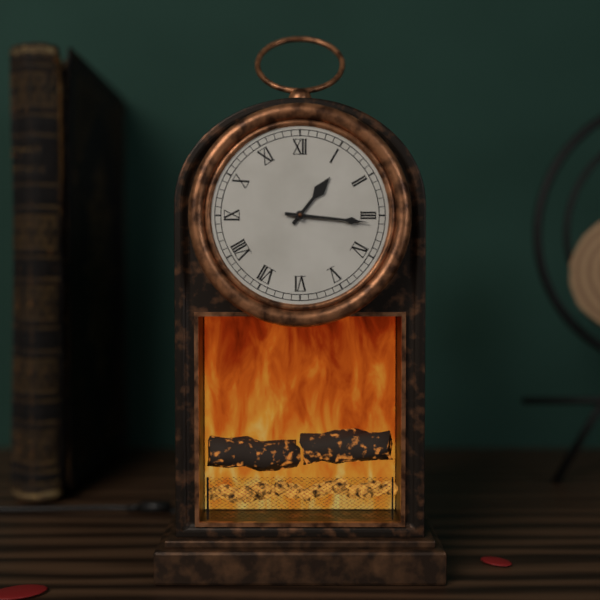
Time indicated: 1:16
